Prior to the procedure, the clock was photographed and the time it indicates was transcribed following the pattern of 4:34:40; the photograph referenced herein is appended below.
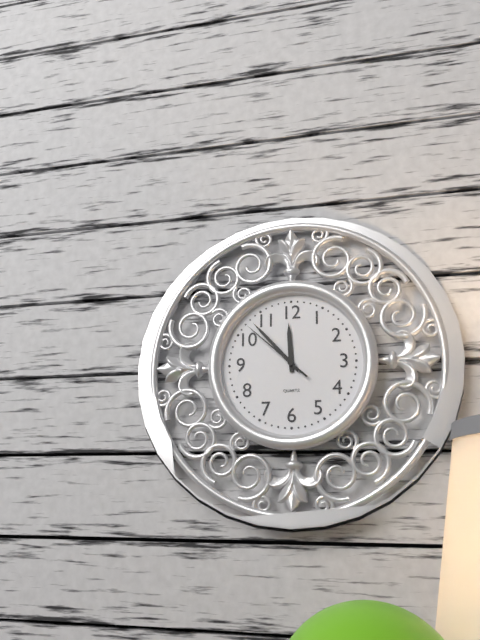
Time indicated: 11:53:52
